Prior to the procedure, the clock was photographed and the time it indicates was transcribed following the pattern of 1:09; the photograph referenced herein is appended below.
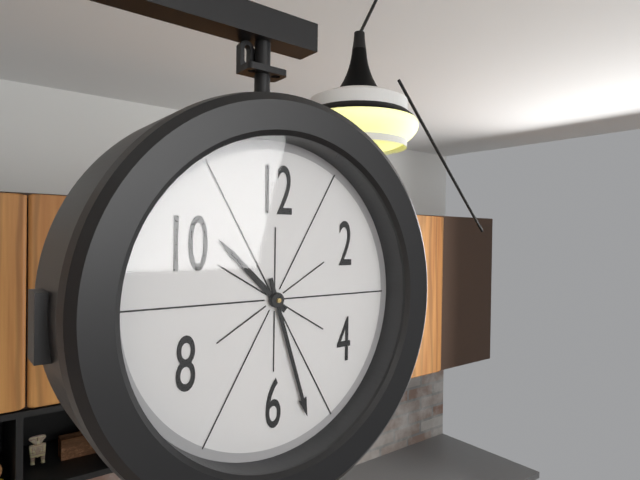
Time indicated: 10:27
